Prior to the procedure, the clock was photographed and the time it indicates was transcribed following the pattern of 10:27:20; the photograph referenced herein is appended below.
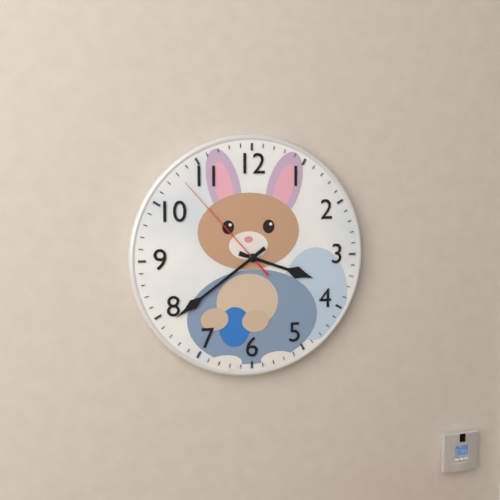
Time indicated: 3:39:53
